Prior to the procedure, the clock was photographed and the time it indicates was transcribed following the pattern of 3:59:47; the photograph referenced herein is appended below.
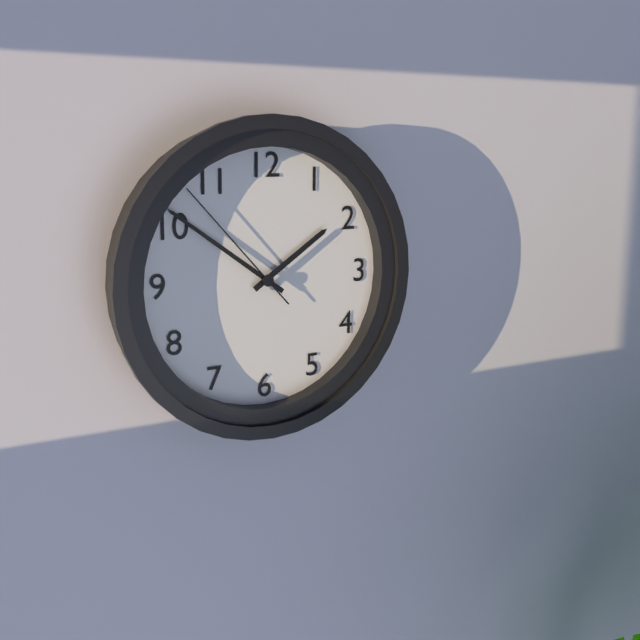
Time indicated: 1:51:53
